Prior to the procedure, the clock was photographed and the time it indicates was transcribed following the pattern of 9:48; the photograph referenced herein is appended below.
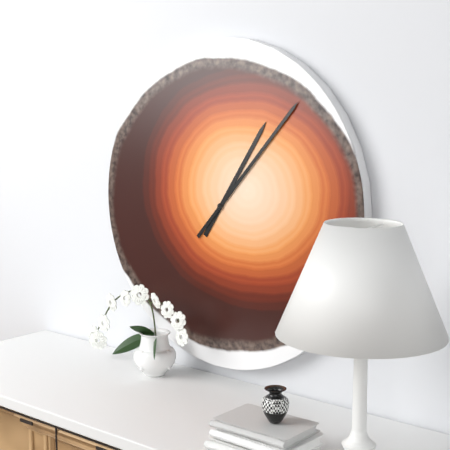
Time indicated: 1:07
